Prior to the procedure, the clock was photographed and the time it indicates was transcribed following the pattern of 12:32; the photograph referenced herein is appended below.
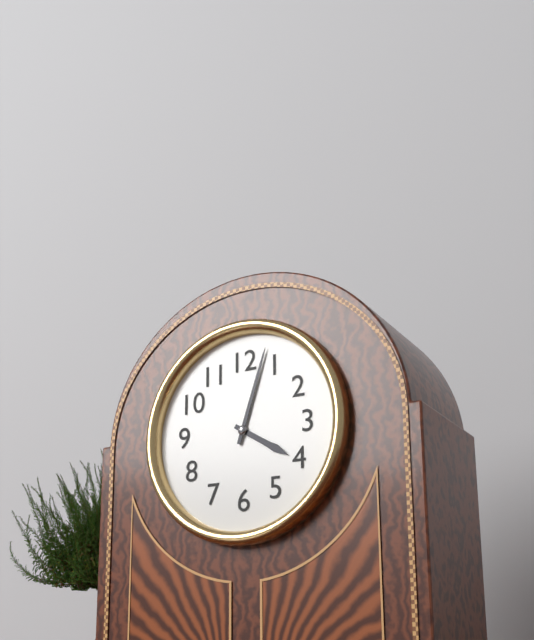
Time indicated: 4:03
